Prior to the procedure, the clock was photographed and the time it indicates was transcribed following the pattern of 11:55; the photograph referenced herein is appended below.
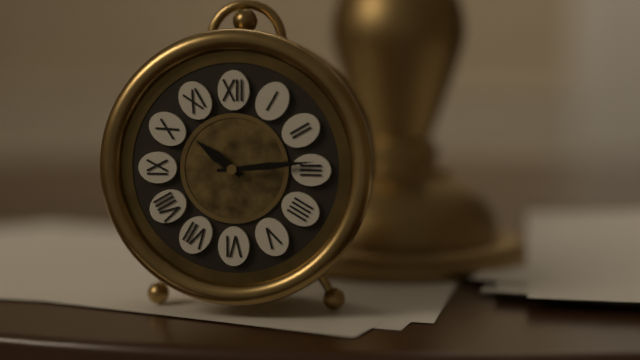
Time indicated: 10:14
